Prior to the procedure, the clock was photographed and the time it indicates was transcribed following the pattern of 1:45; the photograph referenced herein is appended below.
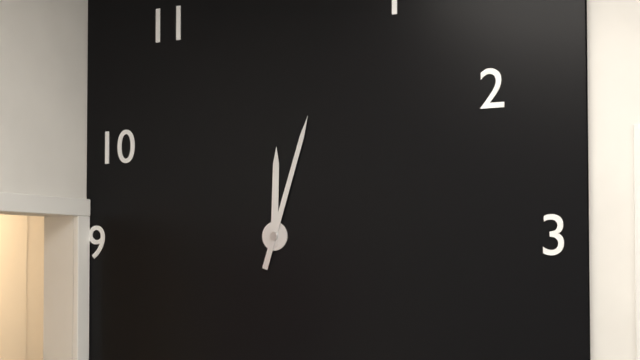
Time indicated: 12:03
